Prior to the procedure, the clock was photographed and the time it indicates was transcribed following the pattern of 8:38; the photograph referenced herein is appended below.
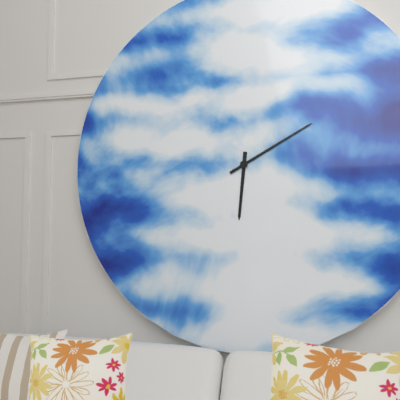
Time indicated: 6:10
